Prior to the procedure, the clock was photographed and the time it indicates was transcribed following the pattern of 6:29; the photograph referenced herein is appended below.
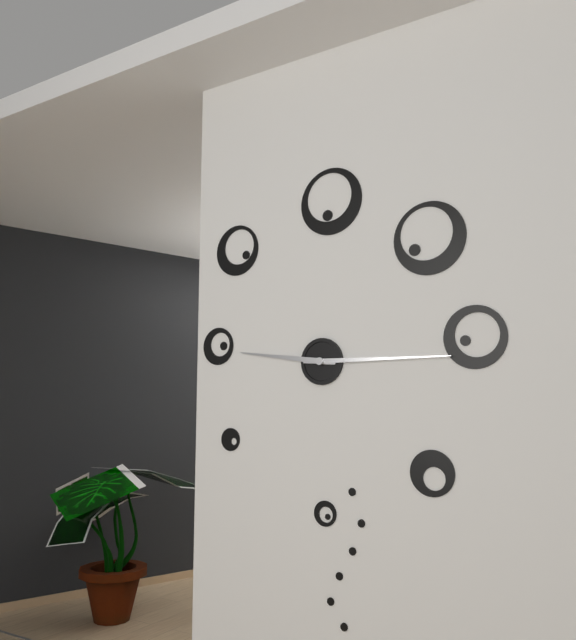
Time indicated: 9:15
